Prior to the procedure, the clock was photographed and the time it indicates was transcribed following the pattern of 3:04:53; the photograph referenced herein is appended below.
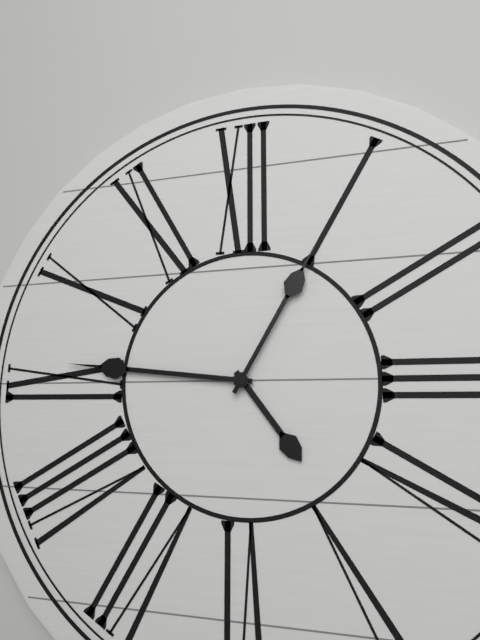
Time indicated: 4:46:05
